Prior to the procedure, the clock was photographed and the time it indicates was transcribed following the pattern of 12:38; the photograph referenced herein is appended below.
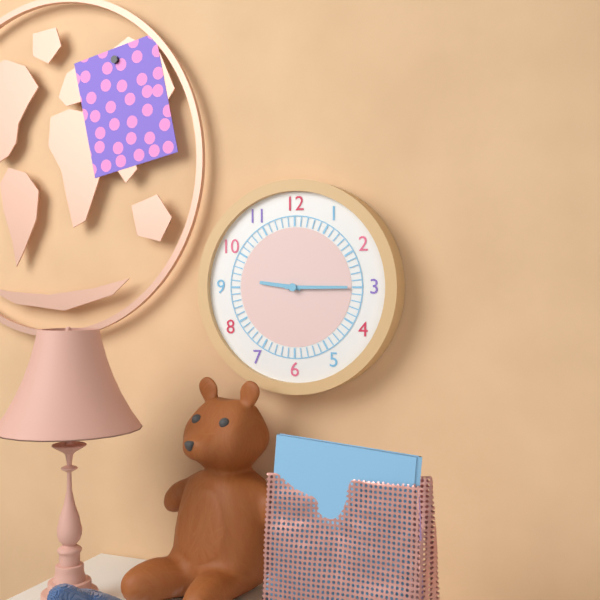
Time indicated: 9:15
